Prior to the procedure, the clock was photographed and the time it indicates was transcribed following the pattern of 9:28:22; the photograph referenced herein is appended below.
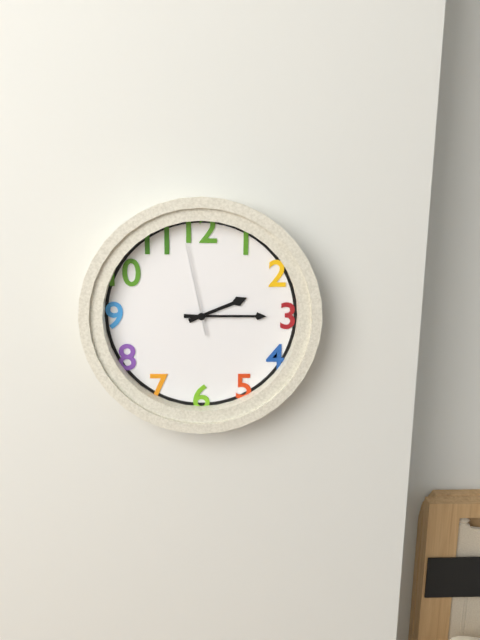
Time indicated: 2:15:58
